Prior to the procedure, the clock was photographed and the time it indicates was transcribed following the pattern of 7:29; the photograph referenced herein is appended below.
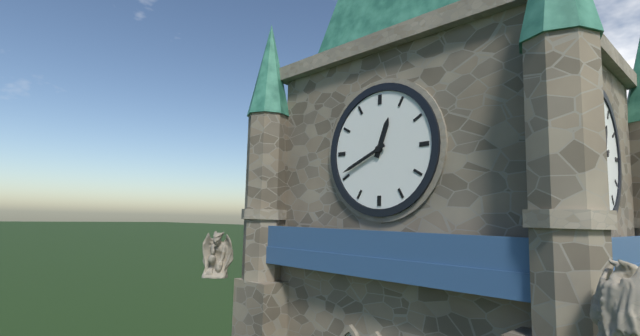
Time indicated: 12:41
